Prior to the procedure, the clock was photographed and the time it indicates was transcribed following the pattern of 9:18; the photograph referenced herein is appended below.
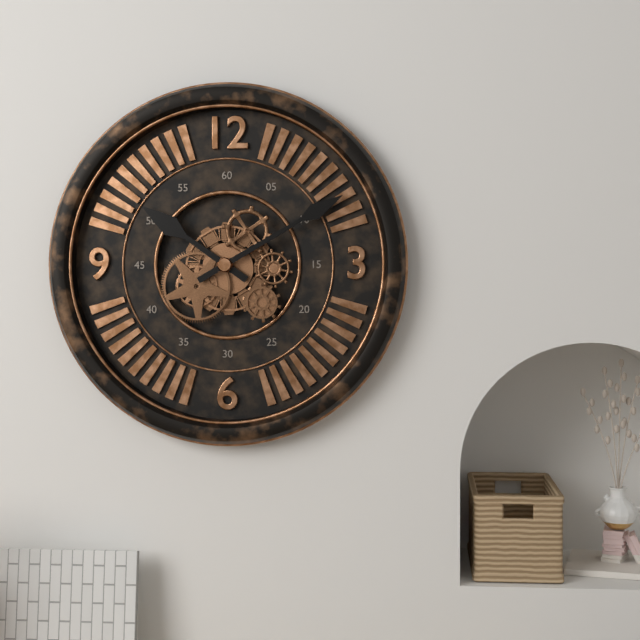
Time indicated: 10:10
